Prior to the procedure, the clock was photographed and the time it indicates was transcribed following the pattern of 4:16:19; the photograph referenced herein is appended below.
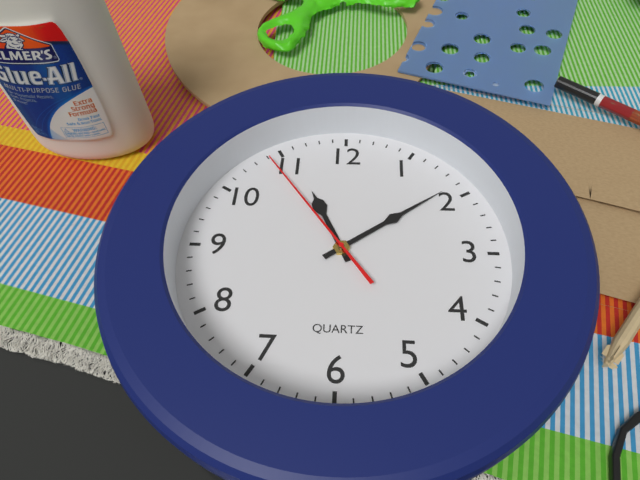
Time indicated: 11:09:54
